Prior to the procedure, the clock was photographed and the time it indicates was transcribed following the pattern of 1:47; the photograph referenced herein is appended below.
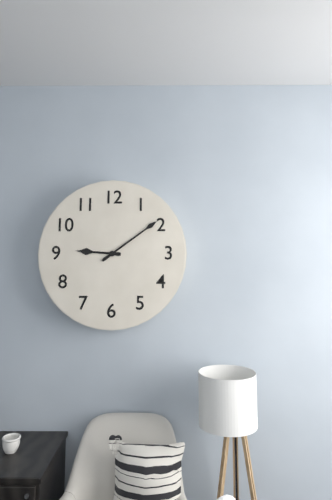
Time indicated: 9:09
